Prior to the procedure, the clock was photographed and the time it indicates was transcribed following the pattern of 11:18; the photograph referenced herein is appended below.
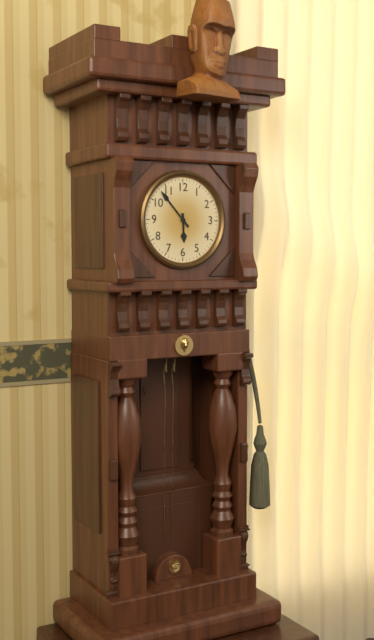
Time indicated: 5:53
